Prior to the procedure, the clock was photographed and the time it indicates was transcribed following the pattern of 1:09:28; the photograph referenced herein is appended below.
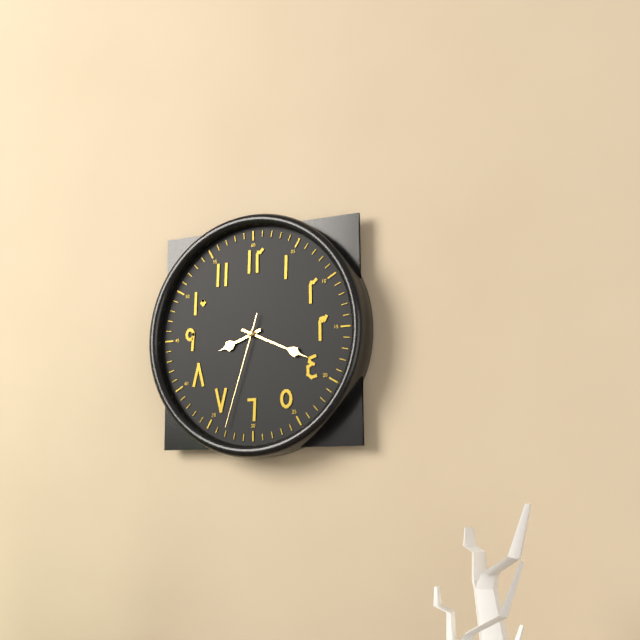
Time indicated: 8:19:33
